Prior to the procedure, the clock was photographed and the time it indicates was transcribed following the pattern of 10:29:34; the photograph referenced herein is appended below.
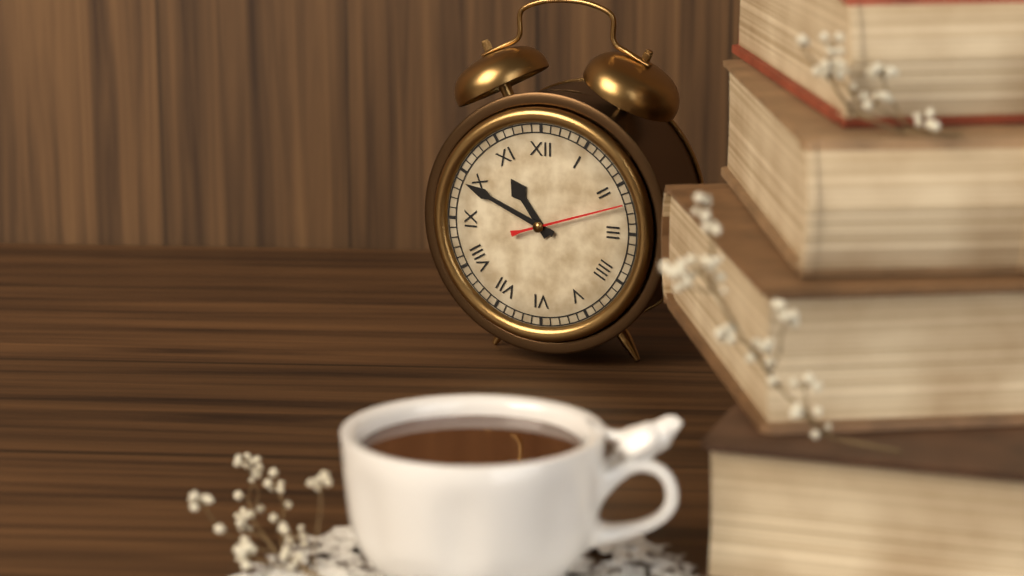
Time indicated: 10:49:12
